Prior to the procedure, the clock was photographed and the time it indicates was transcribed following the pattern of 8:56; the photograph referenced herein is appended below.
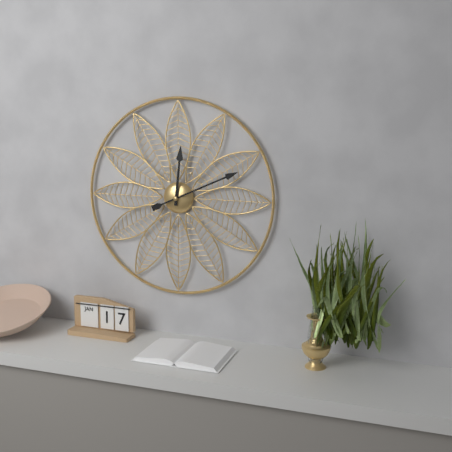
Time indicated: 12:11
